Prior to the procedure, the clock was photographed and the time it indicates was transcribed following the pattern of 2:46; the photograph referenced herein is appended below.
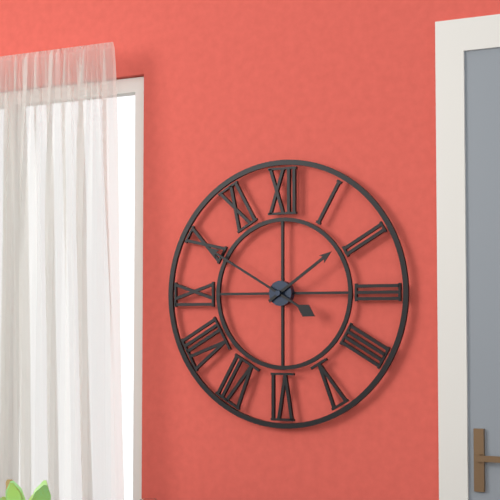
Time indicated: 1:50
